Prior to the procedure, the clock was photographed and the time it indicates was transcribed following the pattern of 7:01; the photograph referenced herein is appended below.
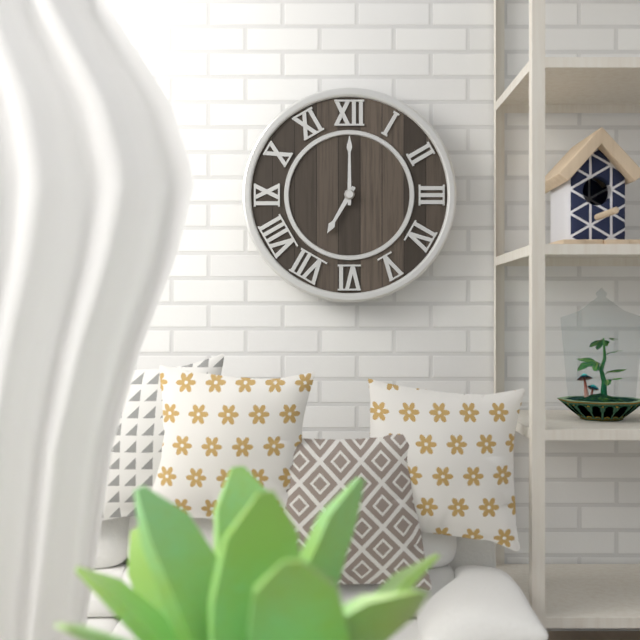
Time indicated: 7:00
